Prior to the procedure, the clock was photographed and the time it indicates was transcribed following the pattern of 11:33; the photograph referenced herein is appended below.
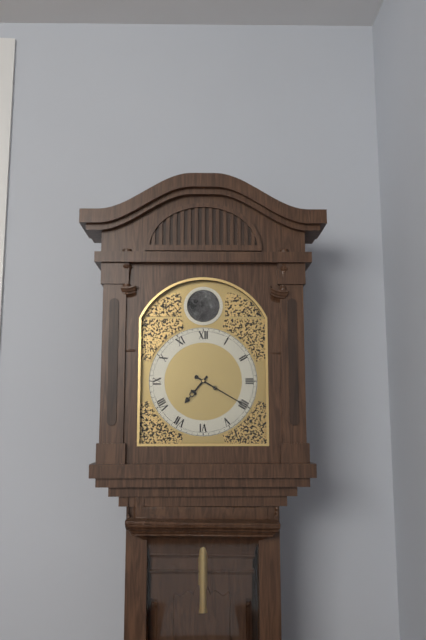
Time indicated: 7:20
